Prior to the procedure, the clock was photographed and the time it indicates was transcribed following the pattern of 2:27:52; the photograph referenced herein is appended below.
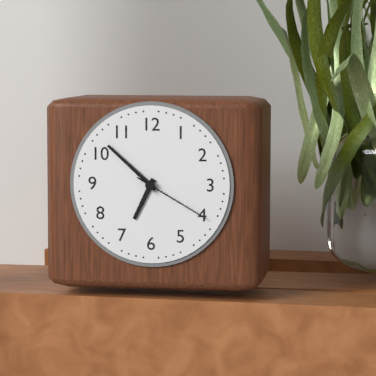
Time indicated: 6:52:20
